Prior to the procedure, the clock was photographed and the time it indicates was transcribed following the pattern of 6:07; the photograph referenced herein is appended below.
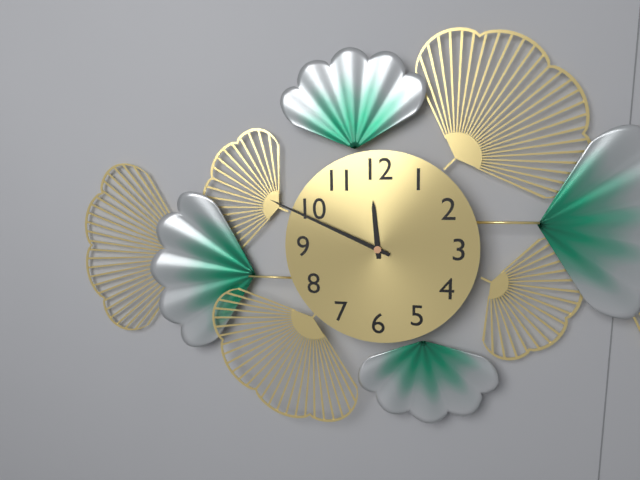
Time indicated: 11:49
